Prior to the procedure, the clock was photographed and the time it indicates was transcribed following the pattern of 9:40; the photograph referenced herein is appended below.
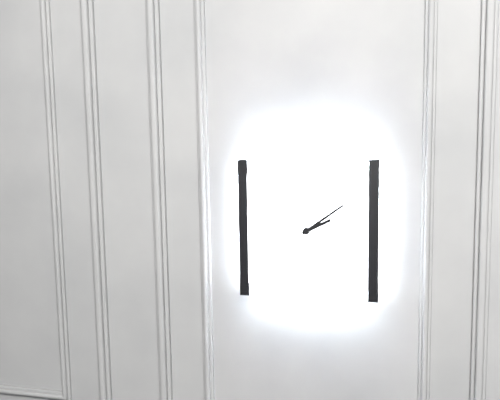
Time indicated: 2:09
